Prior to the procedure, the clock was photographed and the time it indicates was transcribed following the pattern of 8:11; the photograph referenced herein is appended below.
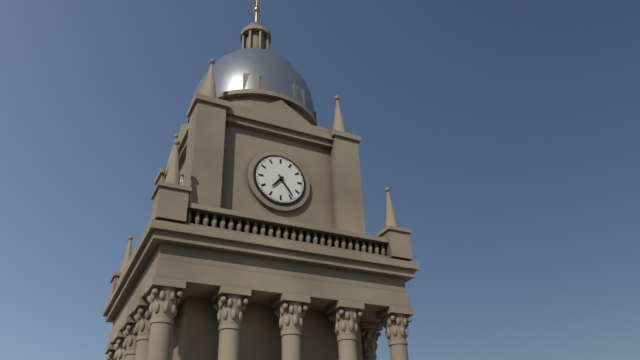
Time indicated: 7:24
